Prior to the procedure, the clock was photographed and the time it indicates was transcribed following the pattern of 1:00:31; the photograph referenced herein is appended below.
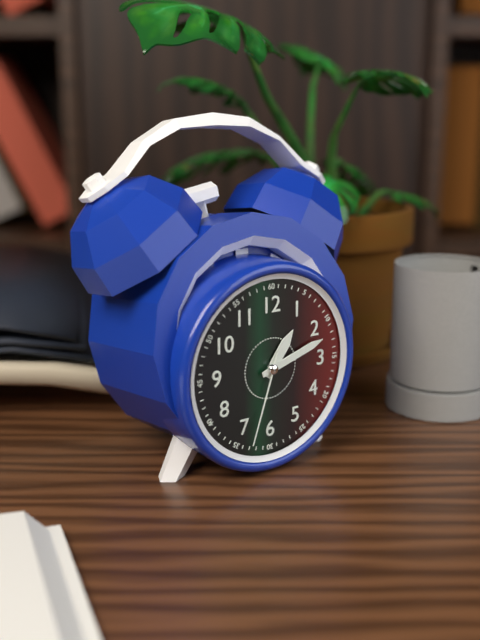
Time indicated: 1:12:33
